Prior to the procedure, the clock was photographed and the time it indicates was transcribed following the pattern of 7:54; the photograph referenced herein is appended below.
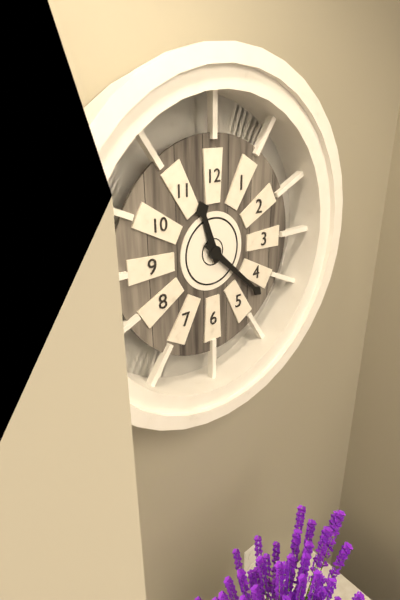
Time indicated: 11:22
